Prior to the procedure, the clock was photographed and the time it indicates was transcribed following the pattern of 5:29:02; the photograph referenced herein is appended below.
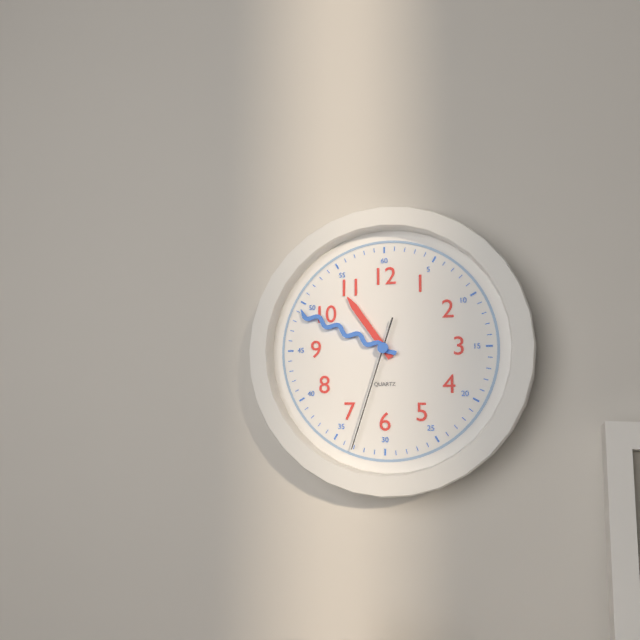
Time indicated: 10:49:33
